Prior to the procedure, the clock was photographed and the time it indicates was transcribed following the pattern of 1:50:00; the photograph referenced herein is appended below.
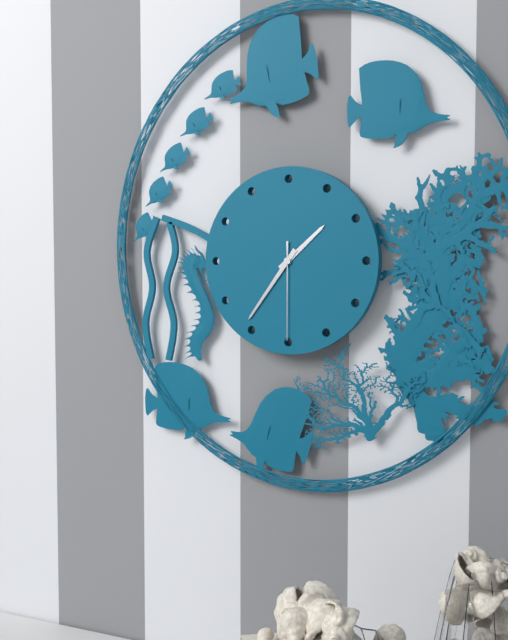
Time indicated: 1:36:30
